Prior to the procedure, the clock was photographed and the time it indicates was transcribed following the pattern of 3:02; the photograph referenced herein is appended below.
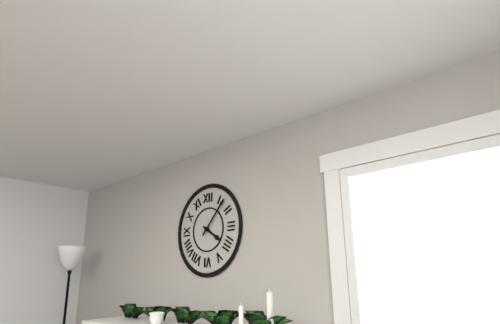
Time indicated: 4:07
